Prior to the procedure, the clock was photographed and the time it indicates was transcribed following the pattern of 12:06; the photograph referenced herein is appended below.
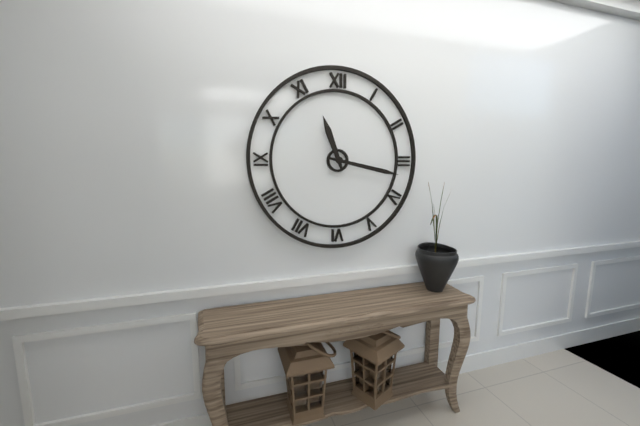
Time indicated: 11:17
